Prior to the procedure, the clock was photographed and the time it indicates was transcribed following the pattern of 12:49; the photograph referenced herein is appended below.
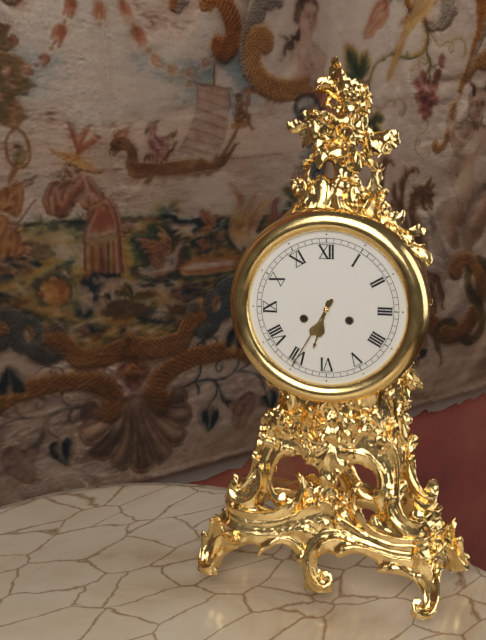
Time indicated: 6:35
